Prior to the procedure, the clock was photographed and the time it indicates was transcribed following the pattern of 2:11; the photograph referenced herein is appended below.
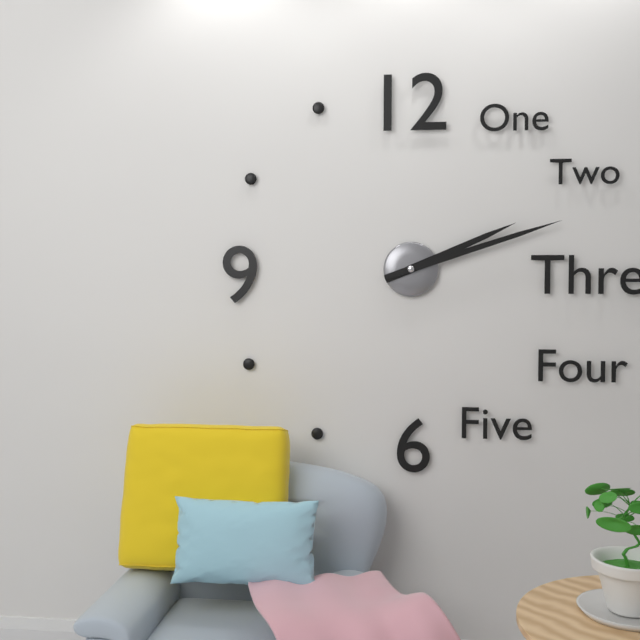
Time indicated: 2:12
